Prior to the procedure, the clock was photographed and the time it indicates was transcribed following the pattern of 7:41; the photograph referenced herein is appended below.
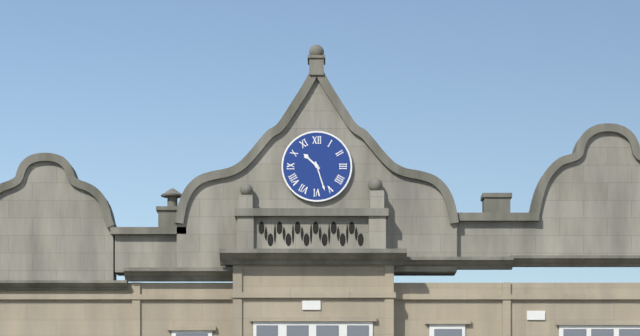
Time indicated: 10:27
